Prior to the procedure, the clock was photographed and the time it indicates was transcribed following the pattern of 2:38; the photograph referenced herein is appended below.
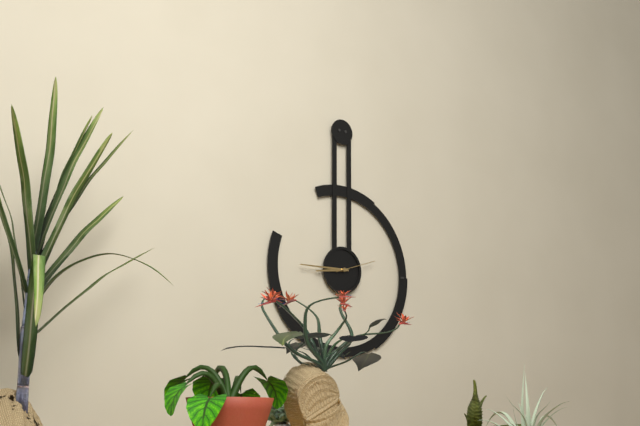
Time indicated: 8:45
